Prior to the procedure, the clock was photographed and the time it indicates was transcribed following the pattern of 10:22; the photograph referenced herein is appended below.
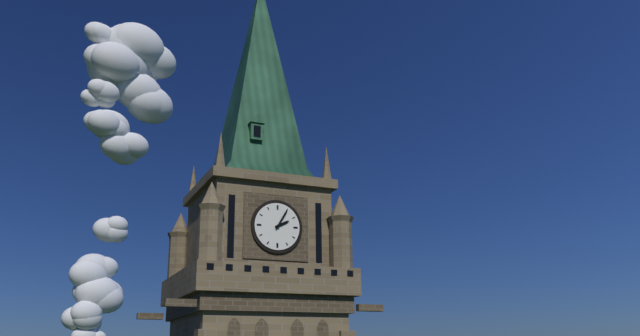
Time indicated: 2:05
